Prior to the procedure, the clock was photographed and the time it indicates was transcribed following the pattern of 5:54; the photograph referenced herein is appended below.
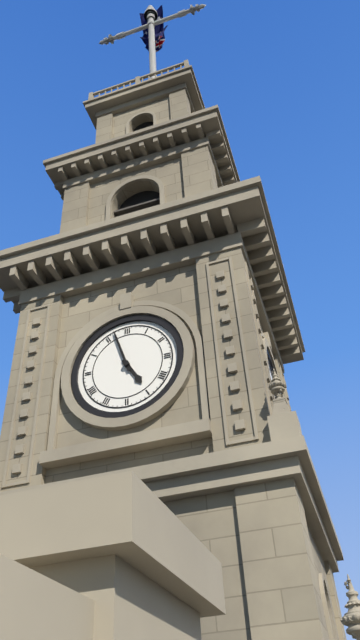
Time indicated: 4:57
